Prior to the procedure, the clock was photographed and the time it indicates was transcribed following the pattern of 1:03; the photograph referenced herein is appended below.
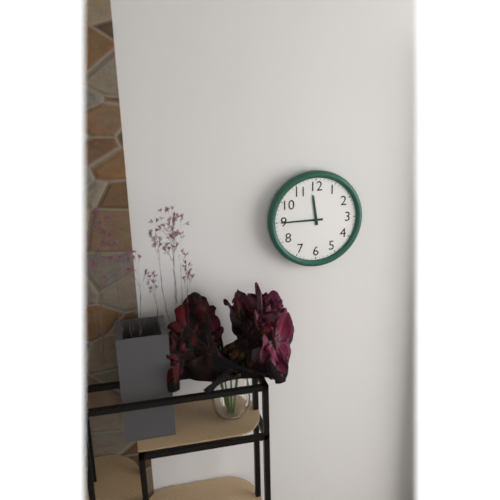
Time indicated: 11:45
